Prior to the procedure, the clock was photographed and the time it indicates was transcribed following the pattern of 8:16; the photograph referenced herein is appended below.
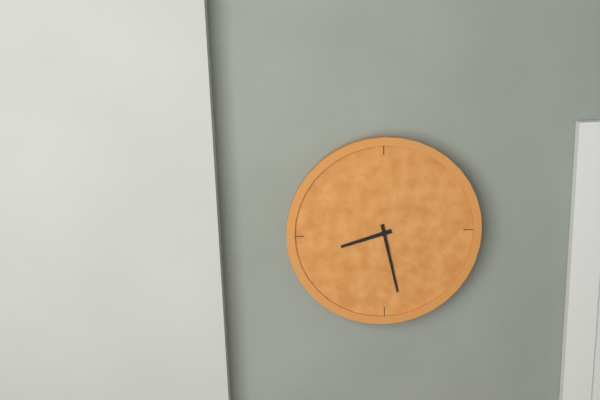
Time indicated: 8:28
